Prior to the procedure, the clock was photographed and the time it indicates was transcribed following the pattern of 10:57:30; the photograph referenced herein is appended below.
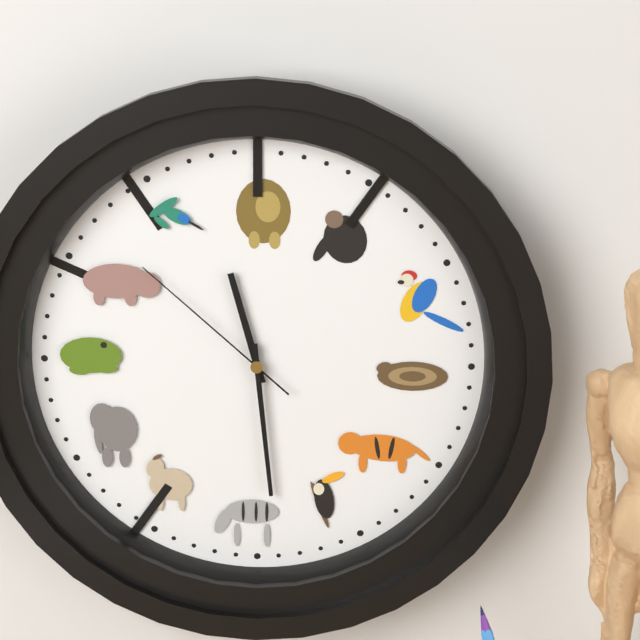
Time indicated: 11:29:52
